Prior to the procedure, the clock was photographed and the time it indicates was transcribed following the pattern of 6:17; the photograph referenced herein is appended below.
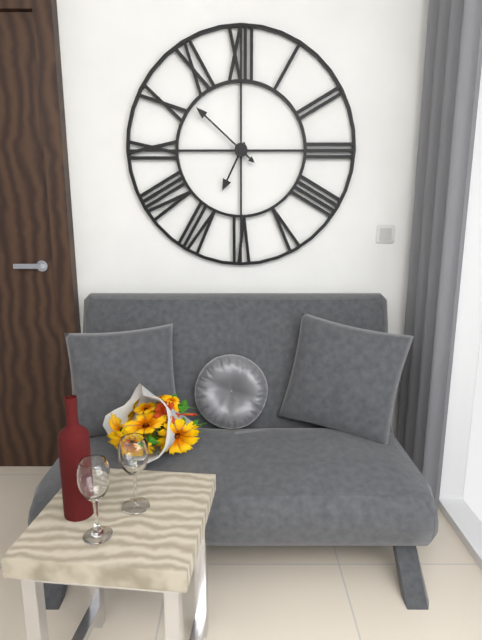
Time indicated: 6:52
